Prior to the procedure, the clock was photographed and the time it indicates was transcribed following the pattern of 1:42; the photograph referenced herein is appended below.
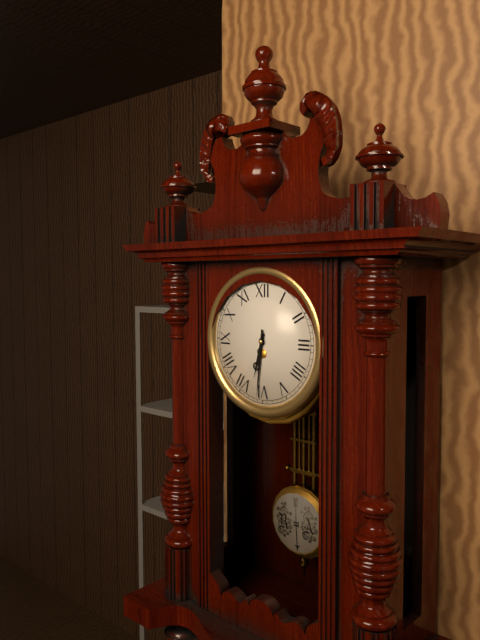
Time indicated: 6:31
